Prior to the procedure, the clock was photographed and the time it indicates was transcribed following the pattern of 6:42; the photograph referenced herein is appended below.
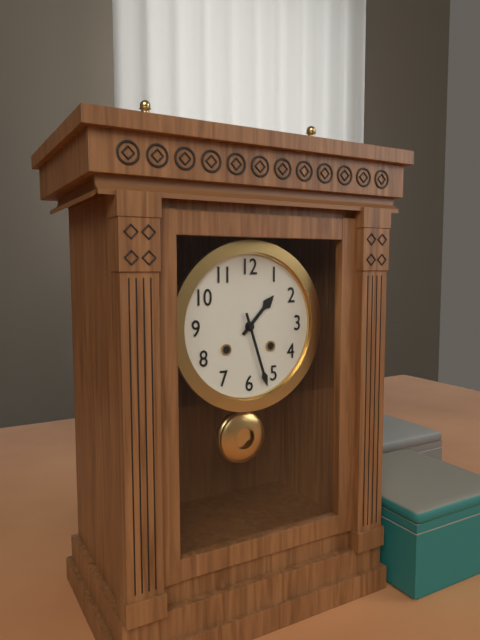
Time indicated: 1:27
